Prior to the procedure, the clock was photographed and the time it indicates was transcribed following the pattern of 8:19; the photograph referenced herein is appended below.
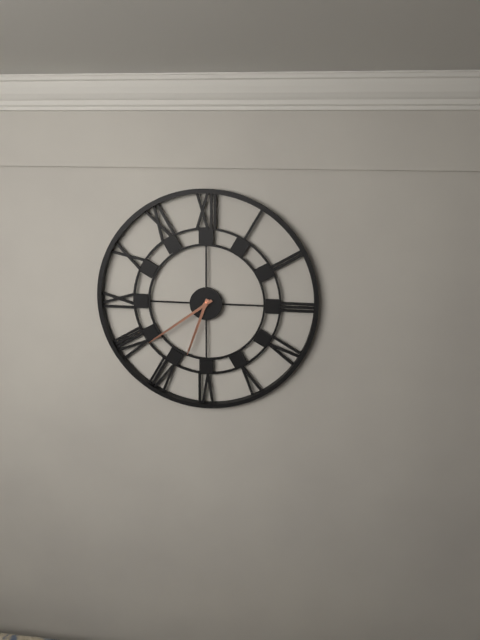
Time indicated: 6:39
